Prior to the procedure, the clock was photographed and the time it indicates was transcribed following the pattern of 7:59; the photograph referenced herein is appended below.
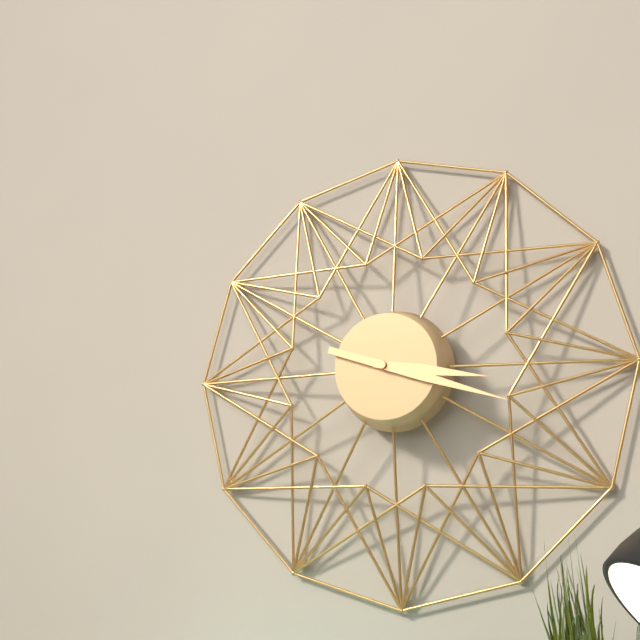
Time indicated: 3:18
